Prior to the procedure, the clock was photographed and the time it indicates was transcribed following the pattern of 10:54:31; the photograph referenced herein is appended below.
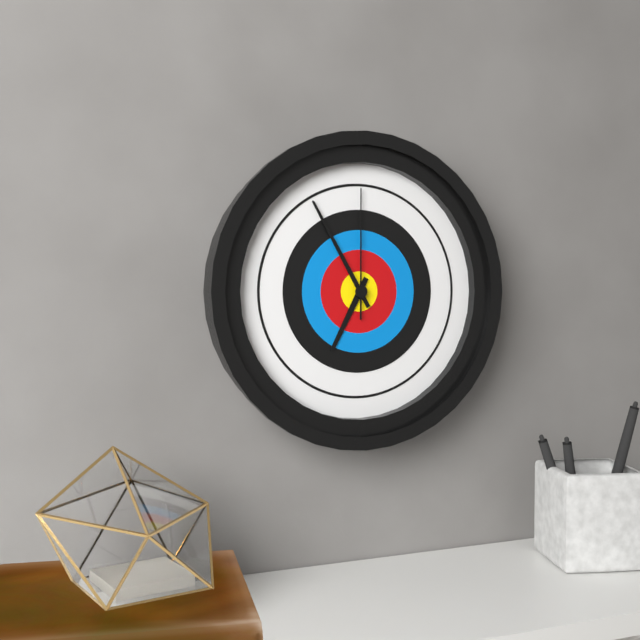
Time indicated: 6:55:00
